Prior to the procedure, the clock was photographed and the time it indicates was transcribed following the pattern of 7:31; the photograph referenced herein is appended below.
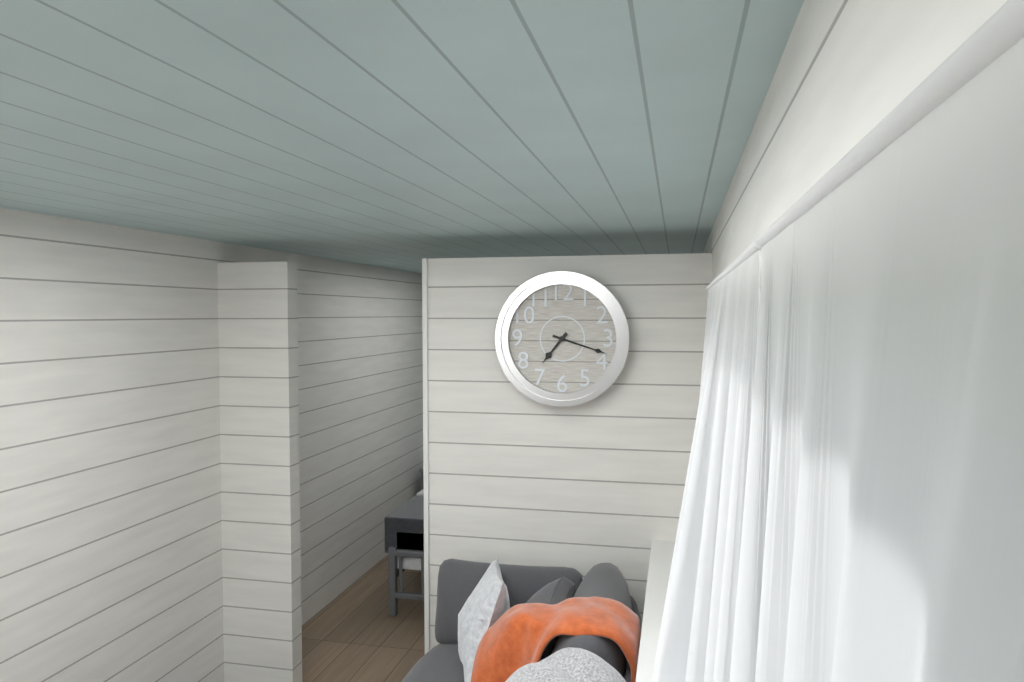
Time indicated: 7:18
